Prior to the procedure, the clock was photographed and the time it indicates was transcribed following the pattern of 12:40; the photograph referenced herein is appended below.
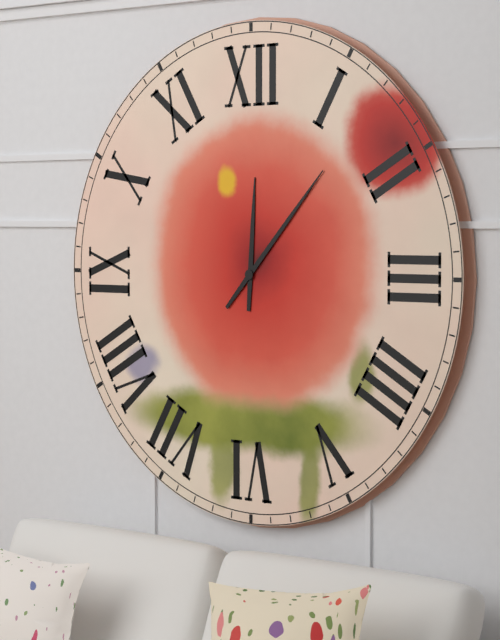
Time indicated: 12:07
